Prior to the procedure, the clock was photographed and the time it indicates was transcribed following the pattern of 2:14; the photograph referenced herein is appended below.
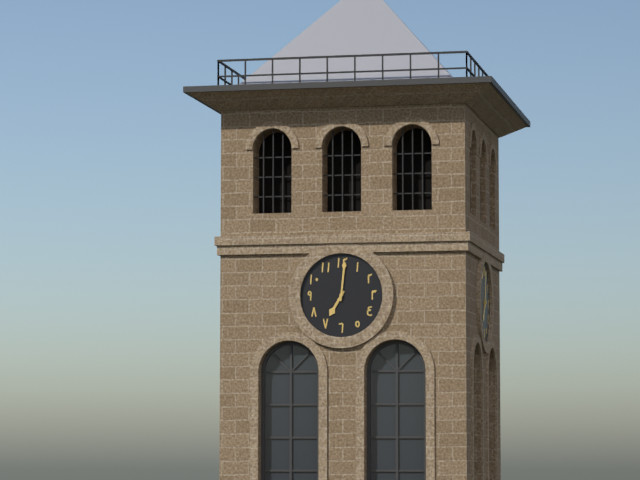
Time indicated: 7:01
